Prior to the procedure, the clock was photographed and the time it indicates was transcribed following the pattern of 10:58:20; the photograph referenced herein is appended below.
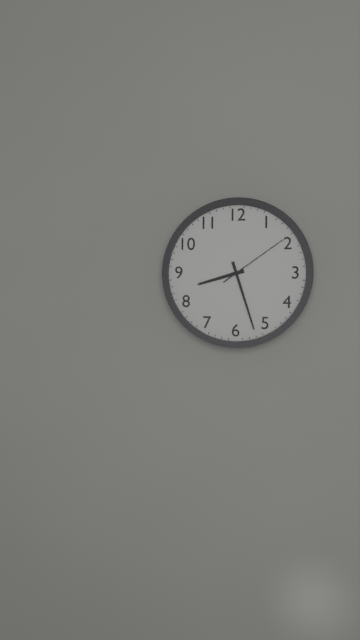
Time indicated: 8:27:09
